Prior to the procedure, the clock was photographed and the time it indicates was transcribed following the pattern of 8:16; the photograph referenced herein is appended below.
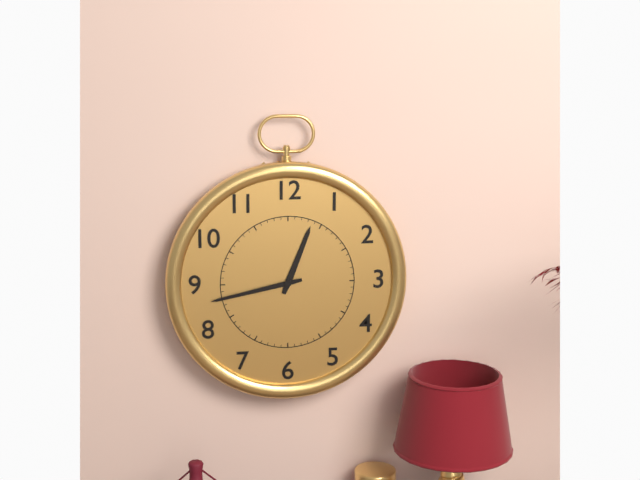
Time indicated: 12:43
